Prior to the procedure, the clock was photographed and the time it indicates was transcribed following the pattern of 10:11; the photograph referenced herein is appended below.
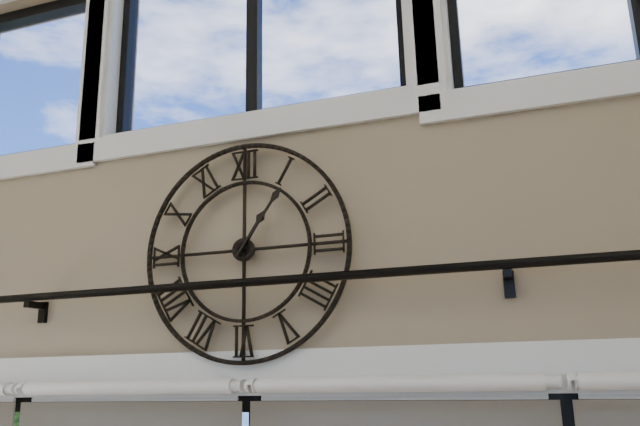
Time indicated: 1:06
